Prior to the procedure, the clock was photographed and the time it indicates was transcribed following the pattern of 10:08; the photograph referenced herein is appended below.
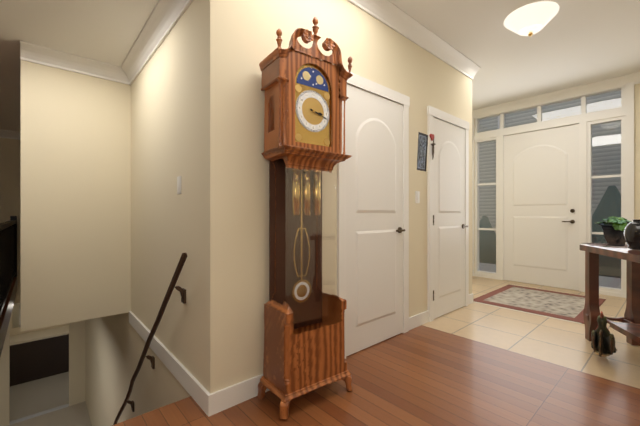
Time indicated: 3:18
